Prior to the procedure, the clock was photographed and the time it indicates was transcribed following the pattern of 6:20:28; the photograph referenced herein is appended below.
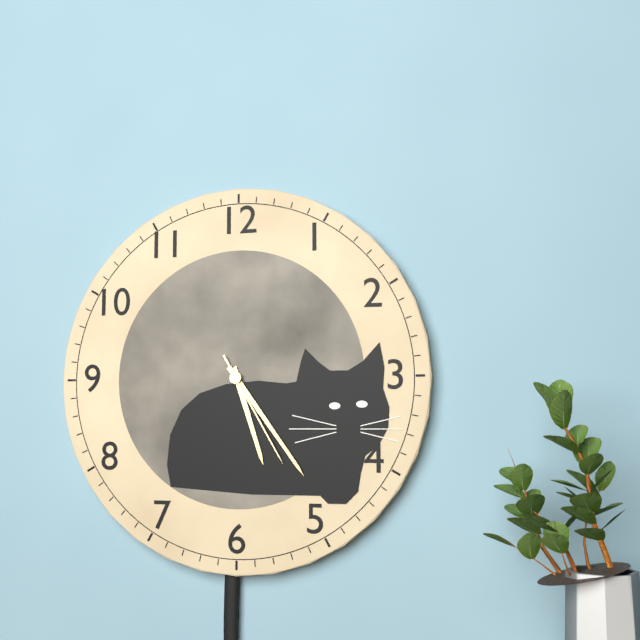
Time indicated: 5:24:25
